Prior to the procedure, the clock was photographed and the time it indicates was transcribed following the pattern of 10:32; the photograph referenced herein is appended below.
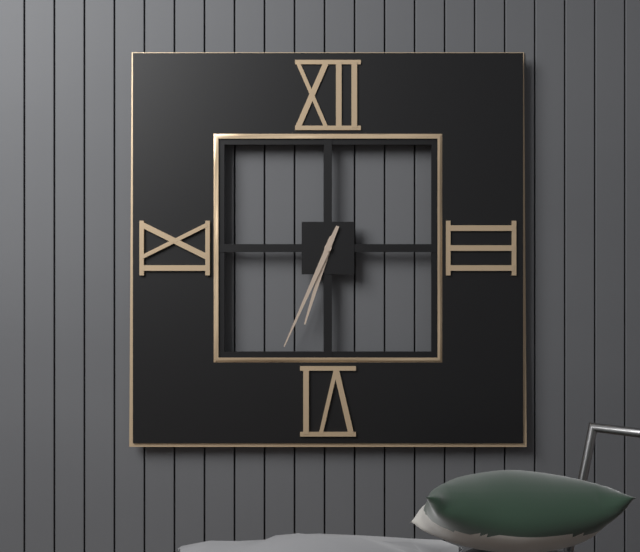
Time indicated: 6:34
